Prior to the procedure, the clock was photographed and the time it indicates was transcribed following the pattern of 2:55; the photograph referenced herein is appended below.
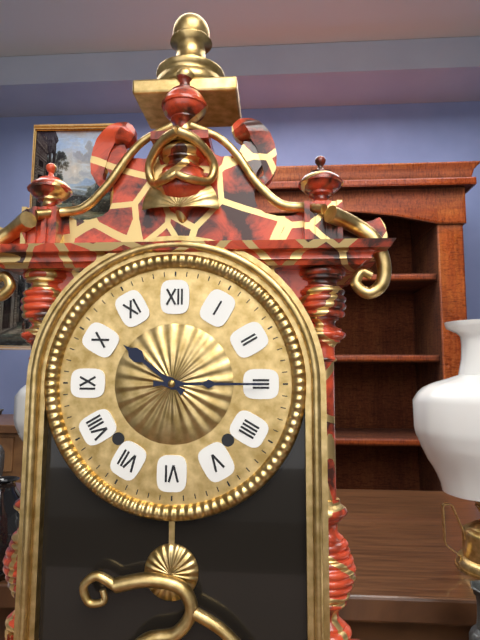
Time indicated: 10:15
